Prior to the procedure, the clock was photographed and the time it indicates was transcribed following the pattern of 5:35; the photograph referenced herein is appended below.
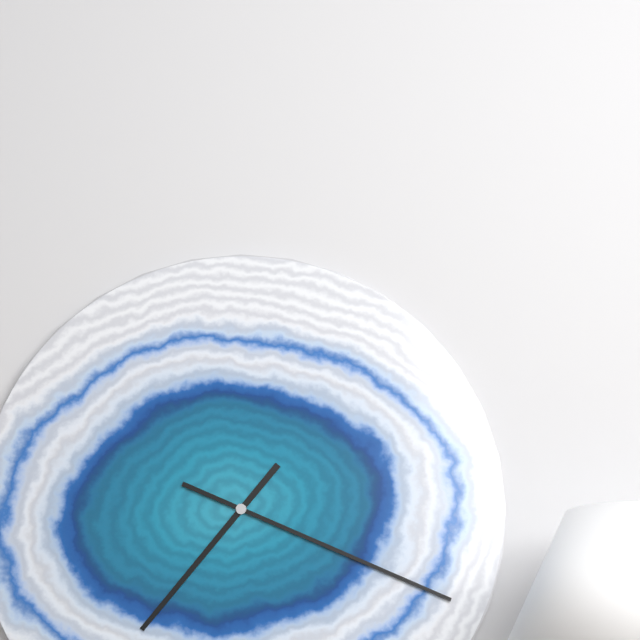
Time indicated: 7:19
